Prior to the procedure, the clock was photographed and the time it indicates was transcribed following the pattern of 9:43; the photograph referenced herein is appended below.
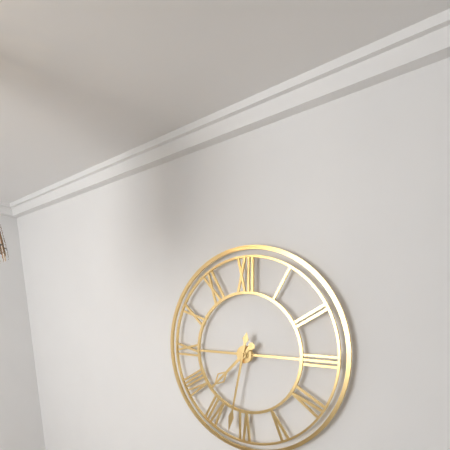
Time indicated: 7:32
